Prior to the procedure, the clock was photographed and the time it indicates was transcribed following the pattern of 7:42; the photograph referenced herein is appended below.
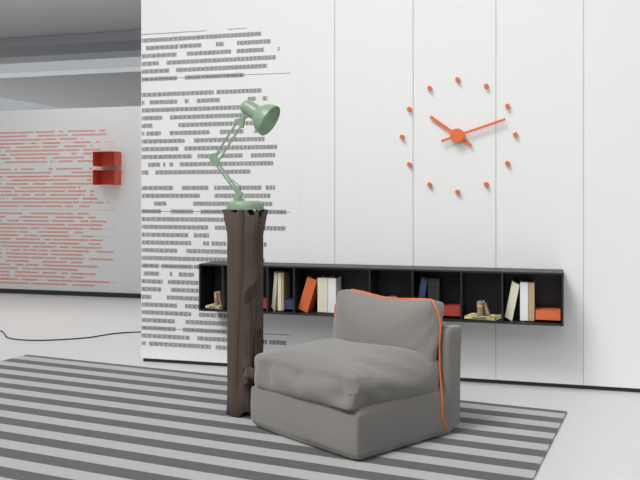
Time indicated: 10:12
